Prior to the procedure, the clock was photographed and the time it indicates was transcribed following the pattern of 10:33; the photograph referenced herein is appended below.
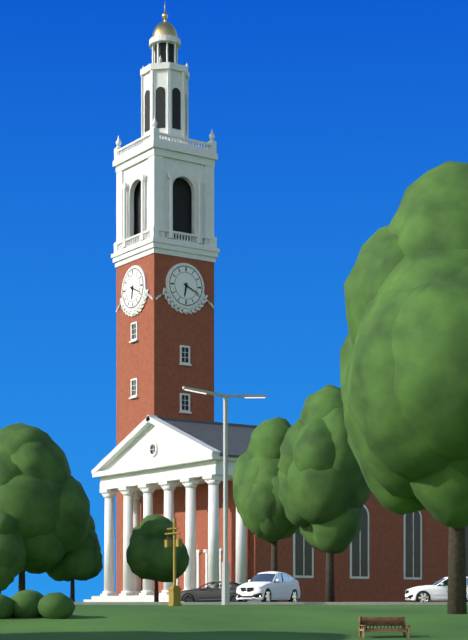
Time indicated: 6:19
